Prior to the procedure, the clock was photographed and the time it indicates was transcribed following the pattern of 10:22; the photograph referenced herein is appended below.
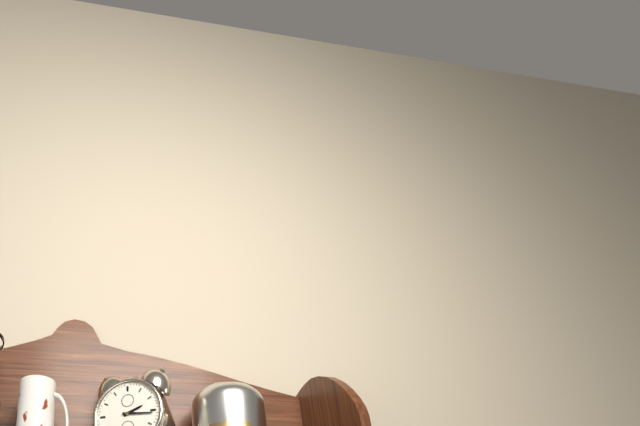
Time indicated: 2:16
